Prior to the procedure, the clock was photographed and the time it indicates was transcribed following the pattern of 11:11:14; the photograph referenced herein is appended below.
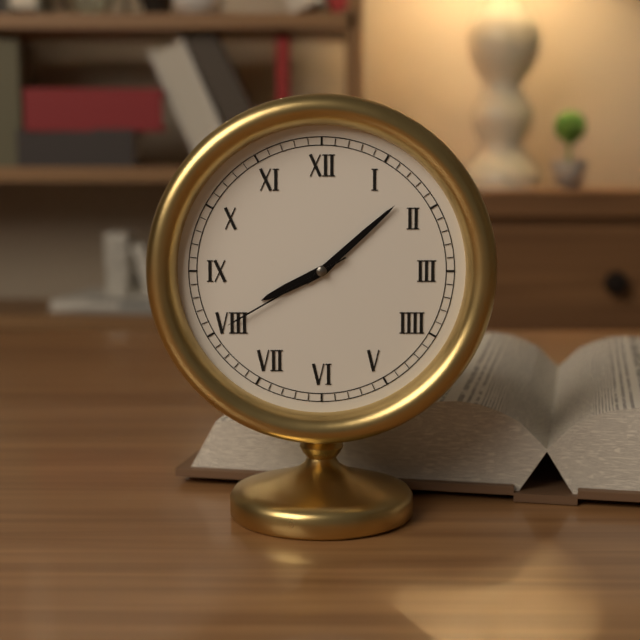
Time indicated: 8:08:40
